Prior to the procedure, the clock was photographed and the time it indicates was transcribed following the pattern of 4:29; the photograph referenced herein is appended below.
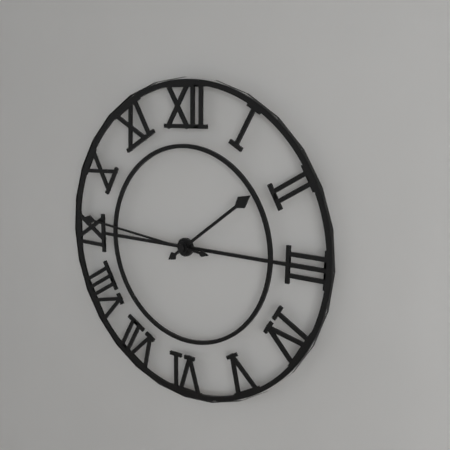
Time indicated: 1:46
